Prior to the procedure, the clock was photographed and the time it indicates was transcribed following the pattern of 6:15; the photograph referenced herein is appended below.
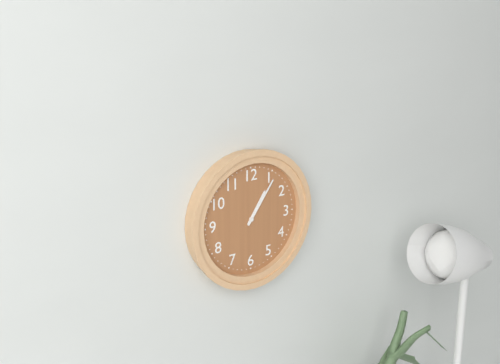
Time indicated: 1:06
